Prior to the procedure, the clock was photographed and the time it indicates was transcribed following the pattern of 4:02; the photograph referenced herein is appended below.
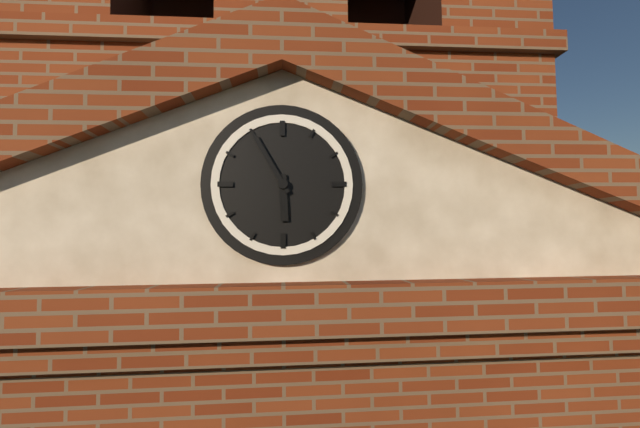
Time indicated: 5:55
